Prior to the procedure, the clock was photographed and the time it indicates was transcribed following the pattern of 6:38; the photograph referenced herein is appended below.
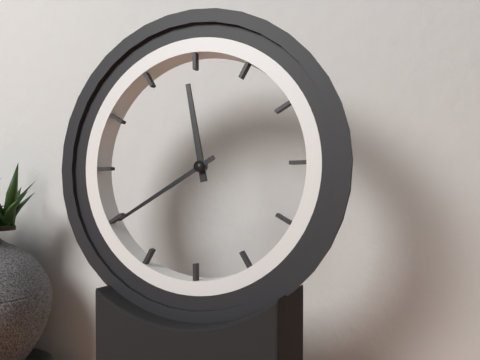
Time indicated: 11:40
